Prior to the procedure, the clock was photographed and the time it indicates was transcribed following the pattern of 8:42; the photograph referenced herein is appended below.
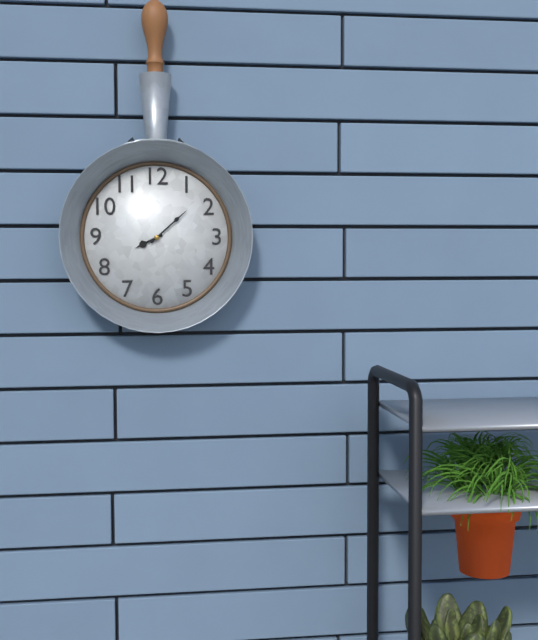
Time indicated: 8:08
